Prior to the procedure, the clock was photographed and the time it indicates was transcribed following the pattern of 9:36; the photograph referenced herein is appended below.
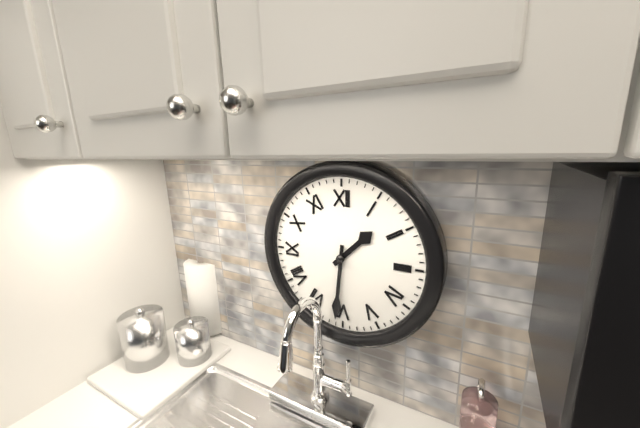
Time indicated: 1:31
